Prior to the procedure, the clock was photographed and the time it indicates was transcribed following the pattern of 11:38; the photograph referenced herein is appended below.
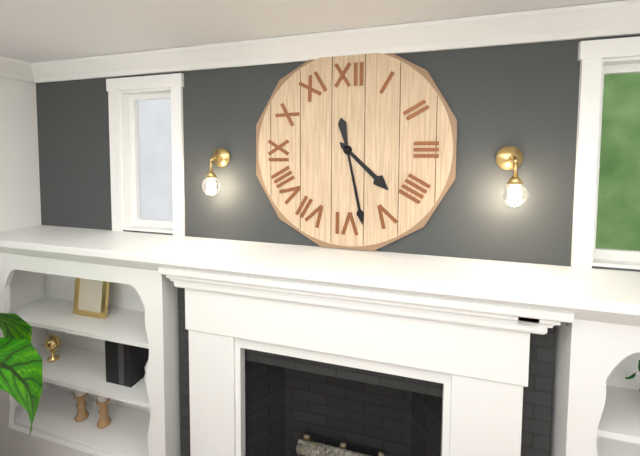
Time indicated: 4:28
